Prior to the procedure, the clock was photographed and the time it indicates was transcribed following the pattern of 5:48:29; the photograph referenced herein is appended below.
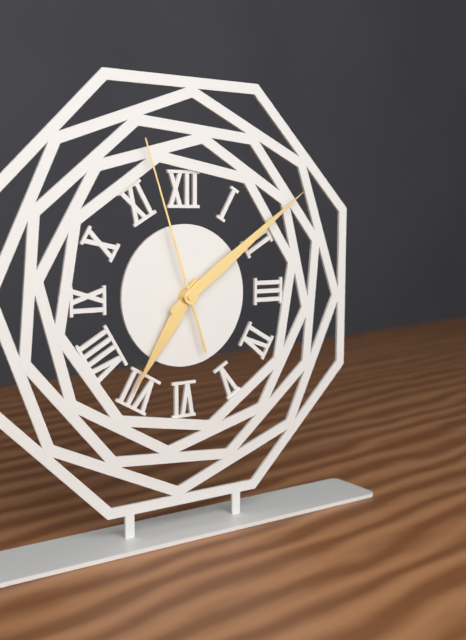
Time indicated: 7:09:57
